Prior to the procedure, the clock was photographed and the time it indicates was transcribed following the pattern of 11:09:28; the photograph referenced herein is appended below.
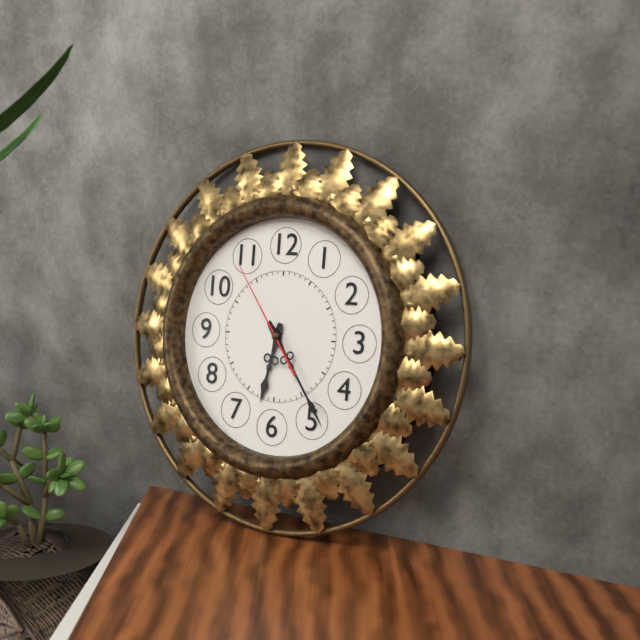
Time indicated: 6:24:54
